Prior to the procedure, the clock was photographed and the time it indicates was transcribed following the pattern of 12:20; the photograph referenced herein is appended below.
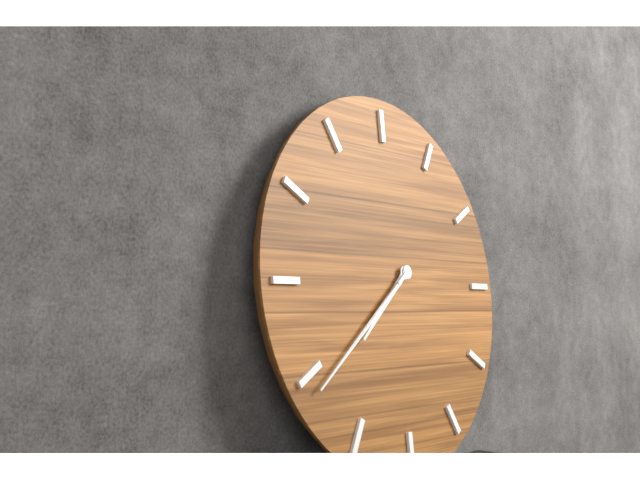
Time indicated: 7:39
